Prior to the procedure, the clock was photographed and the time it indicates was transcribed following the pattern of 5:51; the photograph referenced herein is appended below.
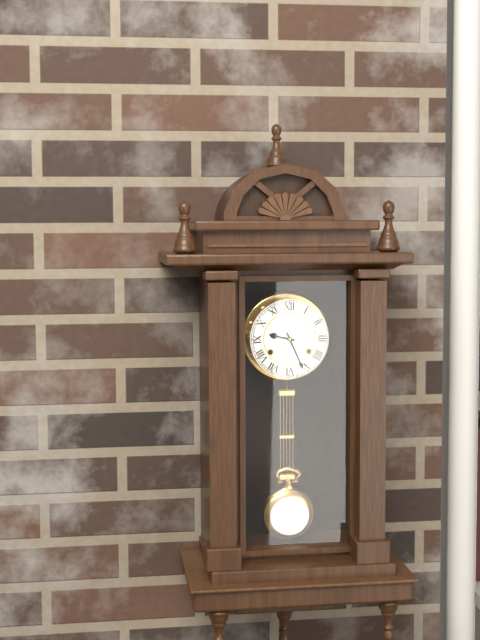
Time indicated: 9:26
